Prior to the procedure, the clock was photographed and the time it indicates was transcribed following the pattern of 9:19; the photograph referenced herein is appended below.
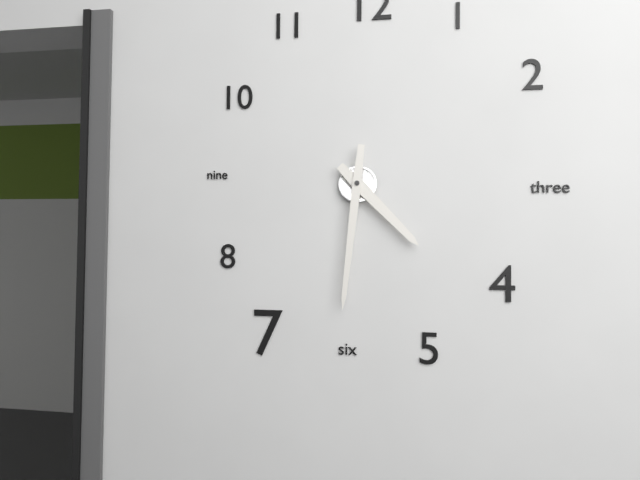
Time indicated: 4:31
